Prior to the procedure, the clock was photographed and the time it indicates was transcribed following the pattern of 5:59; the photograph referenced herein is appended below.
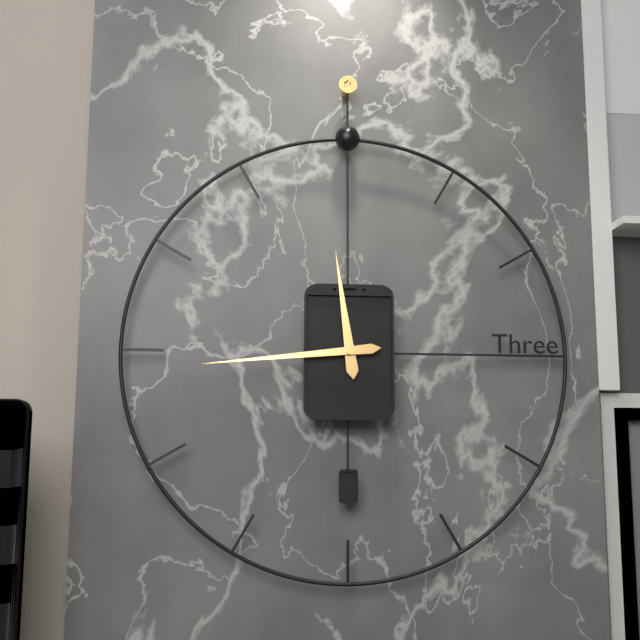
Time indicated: 11:44
